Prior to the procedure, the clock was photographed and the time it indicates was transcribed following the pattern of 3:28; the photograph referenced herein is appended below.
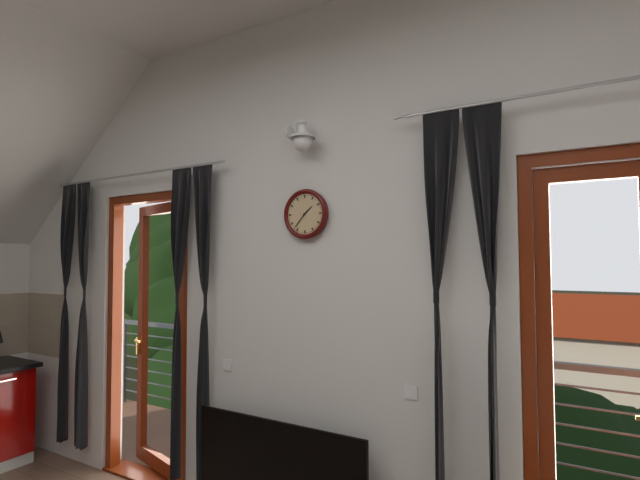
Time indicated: 1:37
